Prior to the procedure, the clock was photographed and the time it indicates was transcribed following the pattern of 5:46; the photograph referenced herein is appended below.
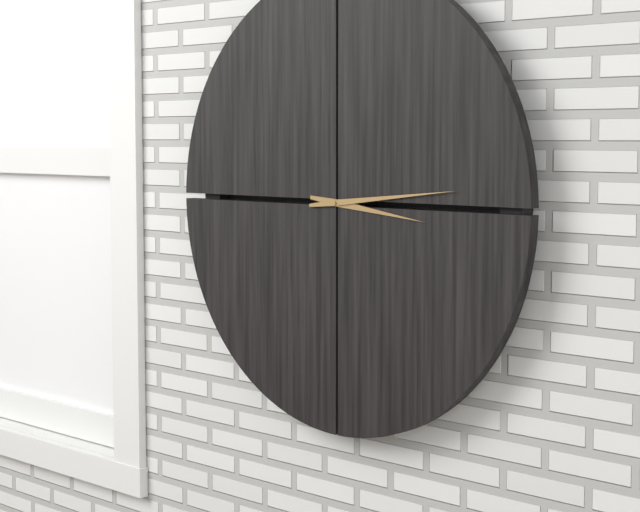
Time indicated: 3:14
